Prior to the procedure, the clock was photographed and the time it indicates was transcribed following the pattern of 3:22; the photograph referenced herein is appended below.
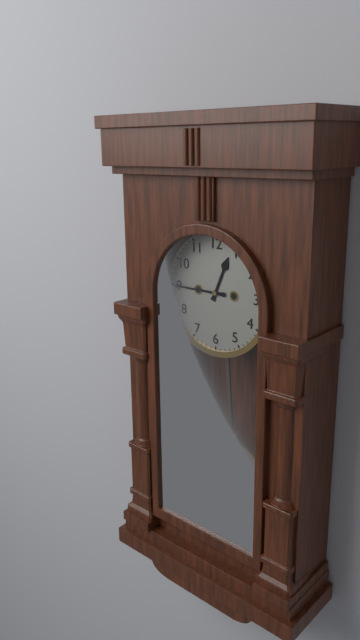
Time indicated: 12:45
